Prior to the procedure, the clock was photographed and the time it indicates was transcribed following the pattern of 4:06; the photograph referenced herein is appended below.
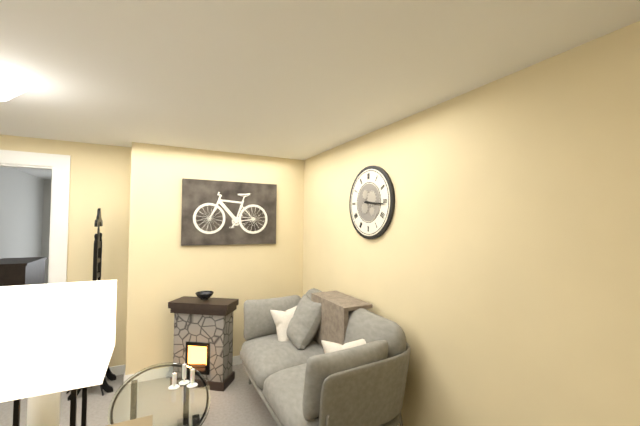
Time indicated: 3:16
